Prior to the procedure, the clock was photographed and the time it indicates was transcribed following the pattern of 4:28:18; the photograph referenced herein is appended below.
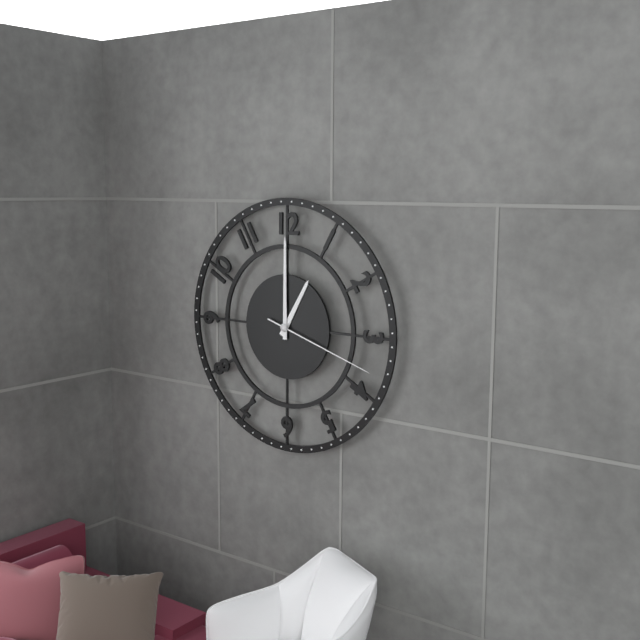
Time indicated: 1:00:18
